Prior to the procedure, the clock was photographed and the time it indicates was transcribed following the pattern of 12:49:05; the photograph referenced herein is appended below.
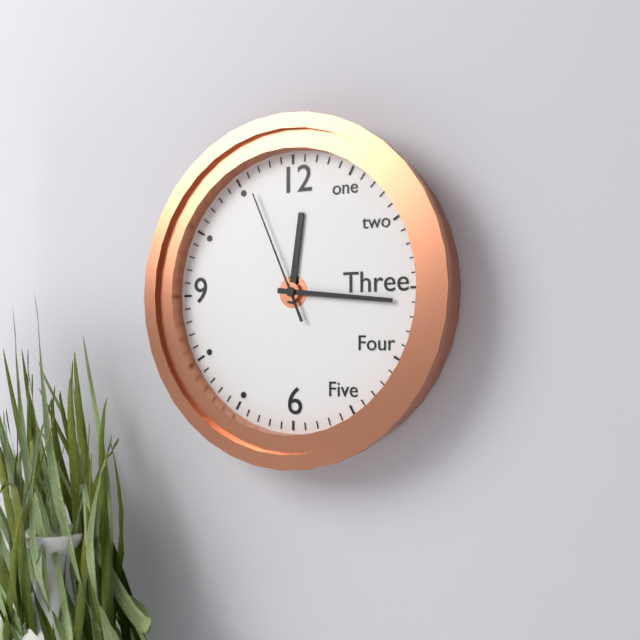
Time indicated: 12:16:56
